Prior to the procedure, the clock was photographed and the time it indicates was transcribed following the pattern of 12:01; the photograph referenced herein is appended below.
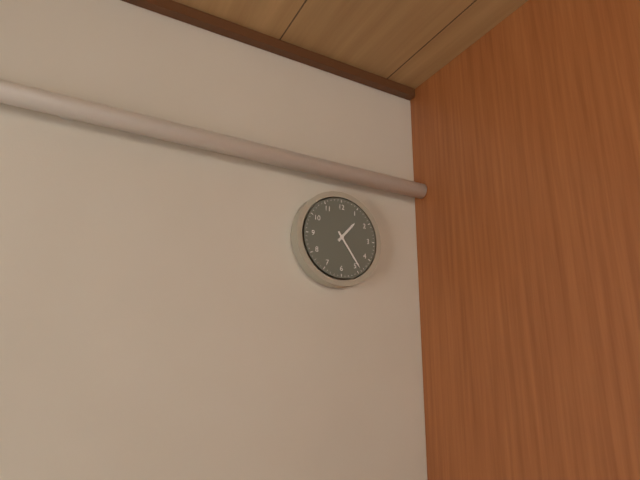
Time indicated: 1:24
